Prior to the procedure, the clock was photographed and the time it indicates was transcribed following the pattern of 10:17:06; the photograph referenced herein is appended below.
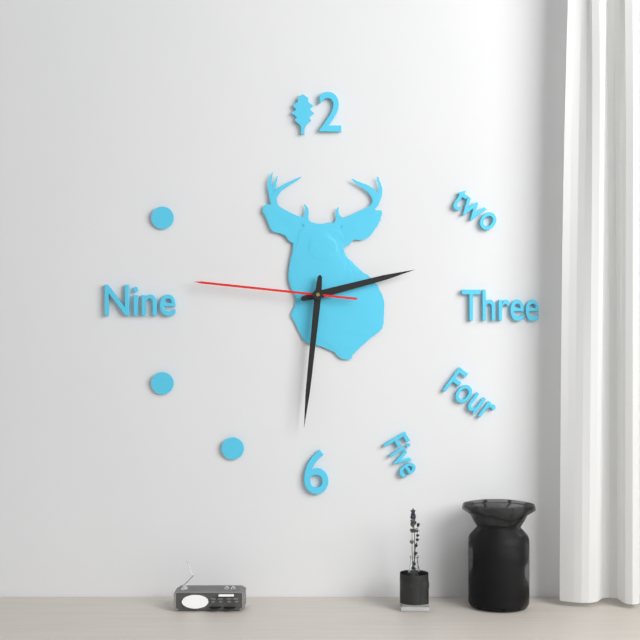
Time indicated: 2:31:46
